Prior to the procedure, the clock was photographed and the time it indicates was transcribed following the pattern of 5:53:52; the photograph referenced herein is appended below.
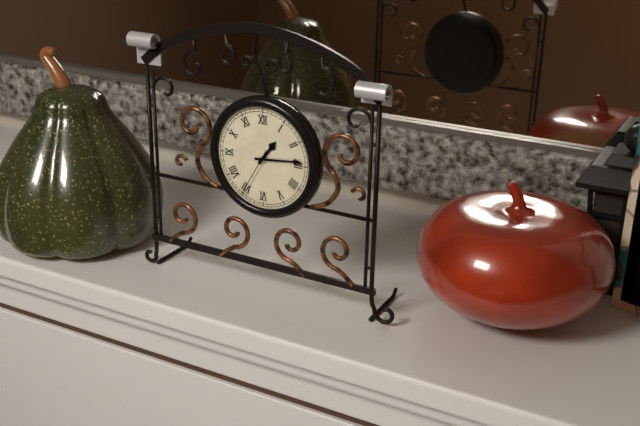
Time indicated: 1:14:35
